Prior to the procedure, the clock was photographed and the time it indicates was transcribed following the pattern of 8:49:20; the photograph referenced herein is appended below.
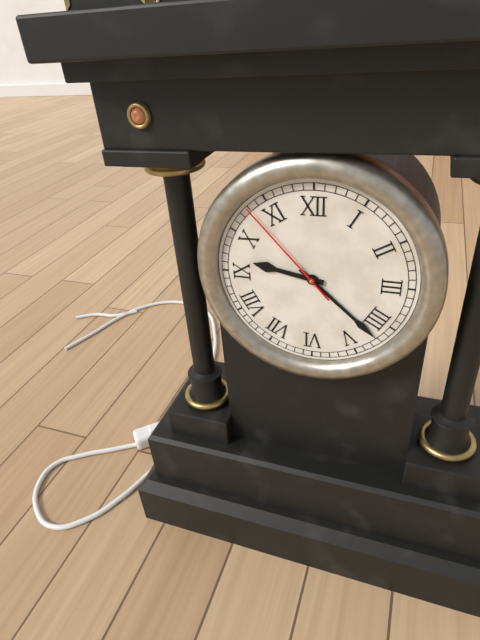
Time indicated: 9:22:53
